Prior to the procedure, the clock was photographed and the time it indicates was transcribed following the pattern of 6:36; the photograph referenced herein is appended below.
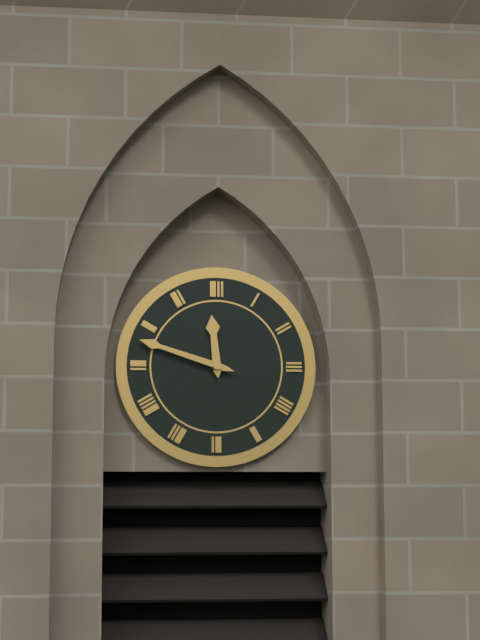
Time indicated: 11:48
